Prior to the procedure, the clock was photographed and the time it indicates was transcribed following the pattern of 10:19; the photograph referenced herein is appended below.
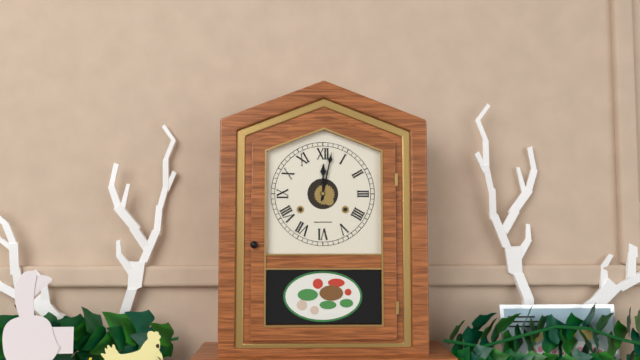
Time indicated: 12:02
